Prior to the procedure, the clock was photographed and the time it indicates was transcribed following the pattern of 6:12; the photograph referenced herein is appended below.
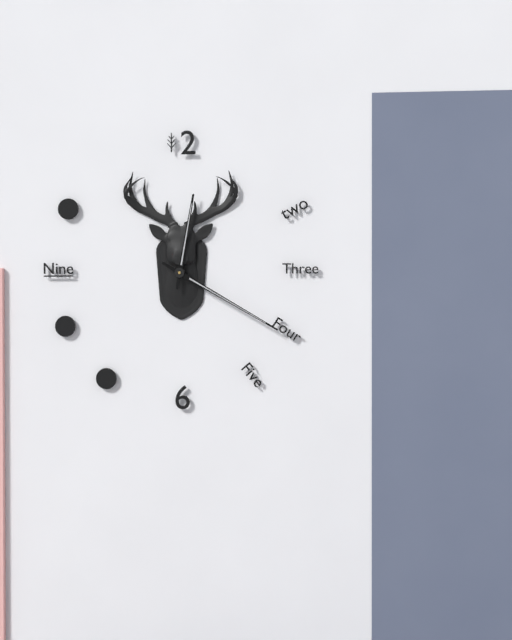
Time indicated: 12:20
